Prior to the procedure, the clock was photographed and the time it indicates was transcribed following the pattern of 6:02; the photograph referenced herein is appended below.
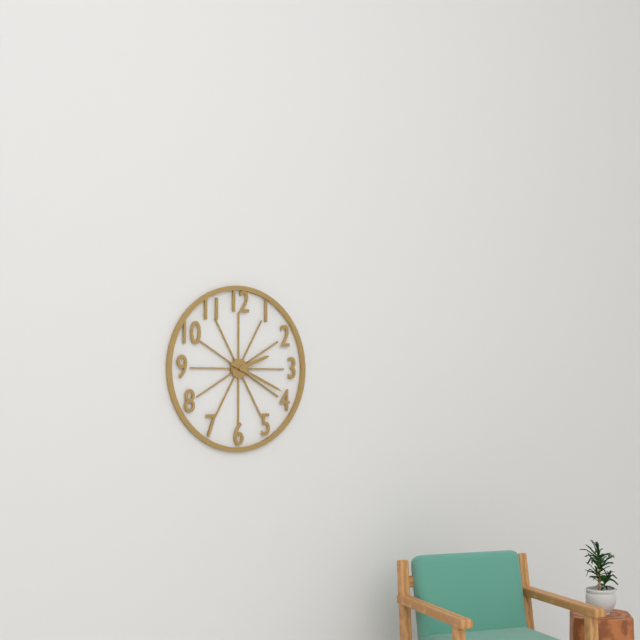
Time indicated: 2:19
